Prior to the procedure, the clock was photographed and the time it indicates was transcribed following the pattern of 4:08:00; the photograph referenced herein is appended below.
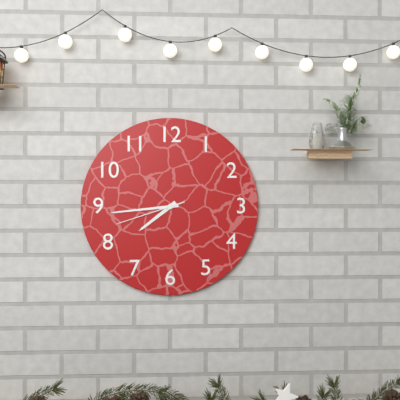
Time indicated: 7:44:42
